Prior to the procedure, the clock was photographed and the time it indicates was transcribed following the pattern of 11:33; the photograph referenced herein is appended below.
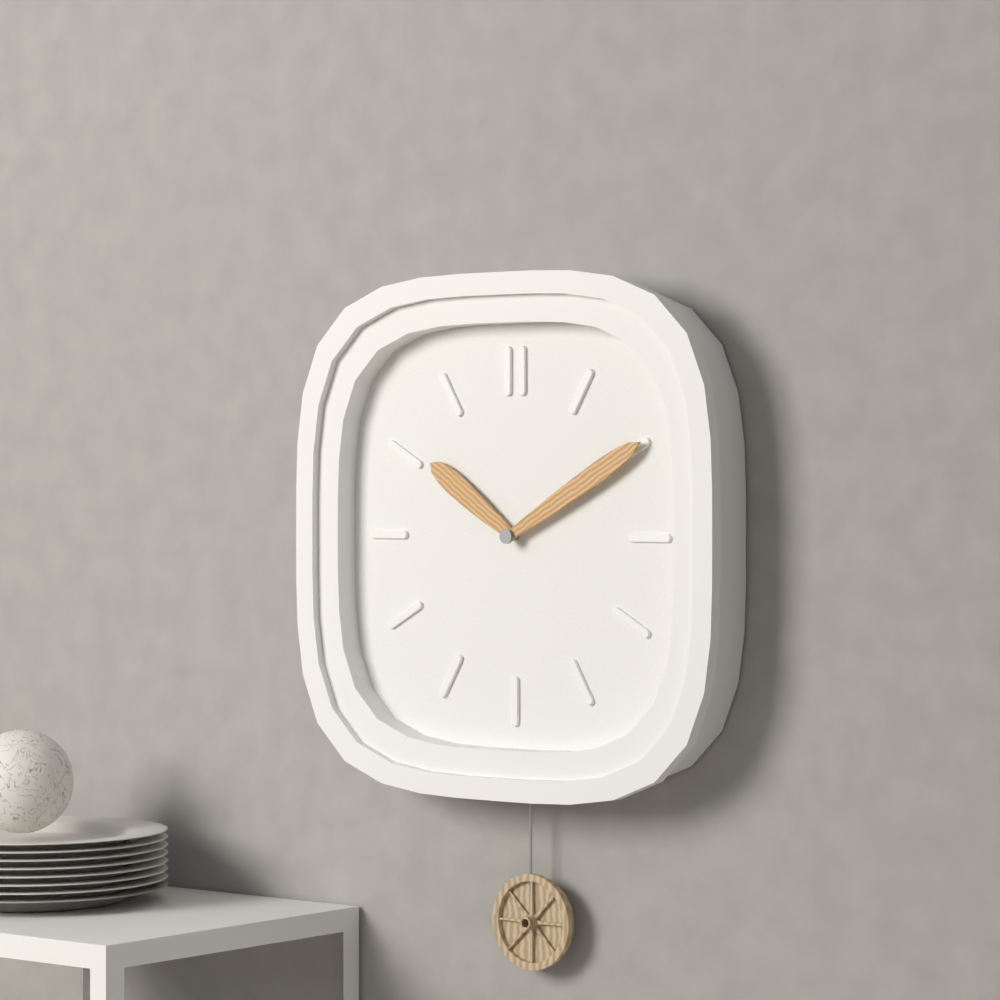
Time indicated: 10:10
